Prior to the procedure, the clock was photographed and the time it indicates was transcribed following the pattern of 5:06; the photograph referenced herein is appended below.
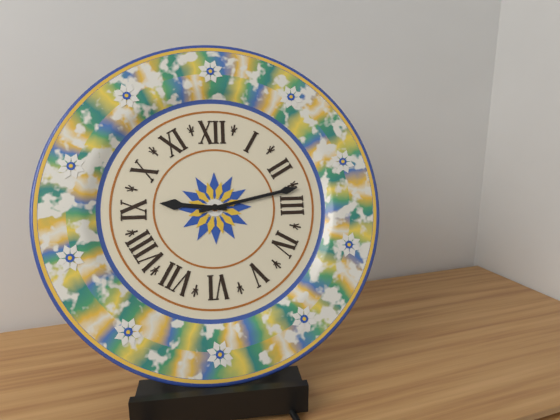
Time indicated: 9:13
